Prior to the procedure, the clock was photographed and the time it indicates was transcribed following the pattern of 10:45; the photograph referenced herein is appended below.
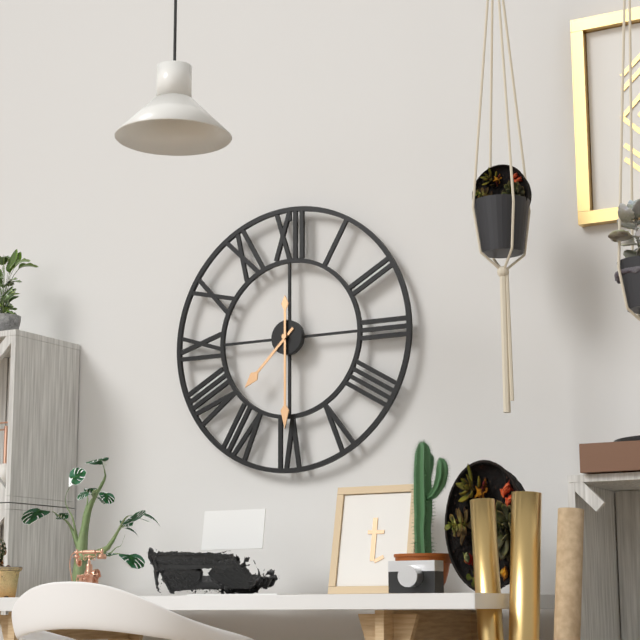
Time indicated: 7:30
